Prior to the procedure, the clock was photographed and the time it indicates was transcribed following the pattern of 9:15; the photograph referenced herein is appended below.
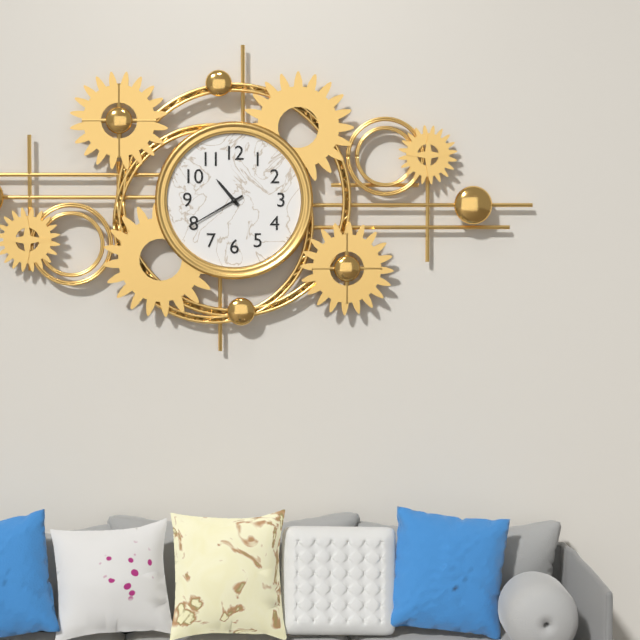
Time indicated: 10:40
